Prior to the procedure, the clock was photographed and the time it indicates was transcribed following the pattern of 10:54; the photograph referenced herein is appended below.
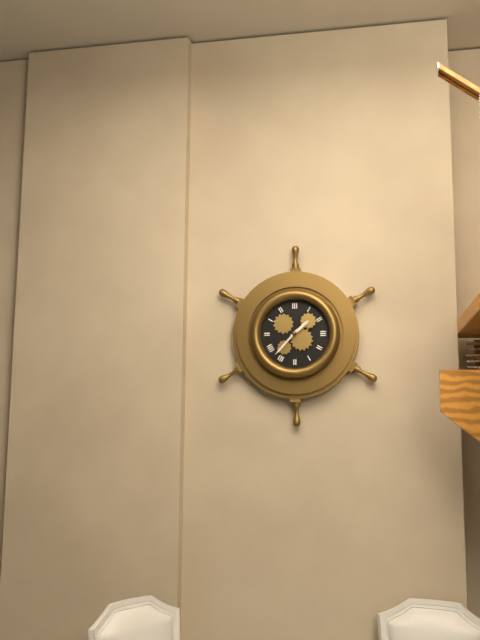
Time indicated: 1:37
